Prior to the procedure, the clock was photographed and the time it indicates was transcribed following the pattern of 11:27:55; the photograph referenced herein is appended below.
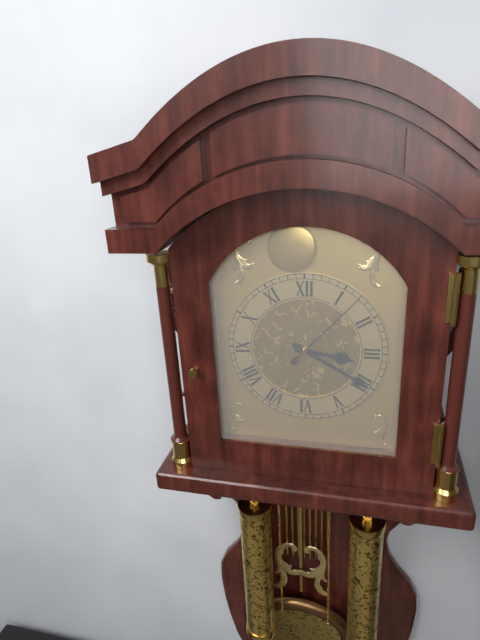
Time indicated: 3:20:07
